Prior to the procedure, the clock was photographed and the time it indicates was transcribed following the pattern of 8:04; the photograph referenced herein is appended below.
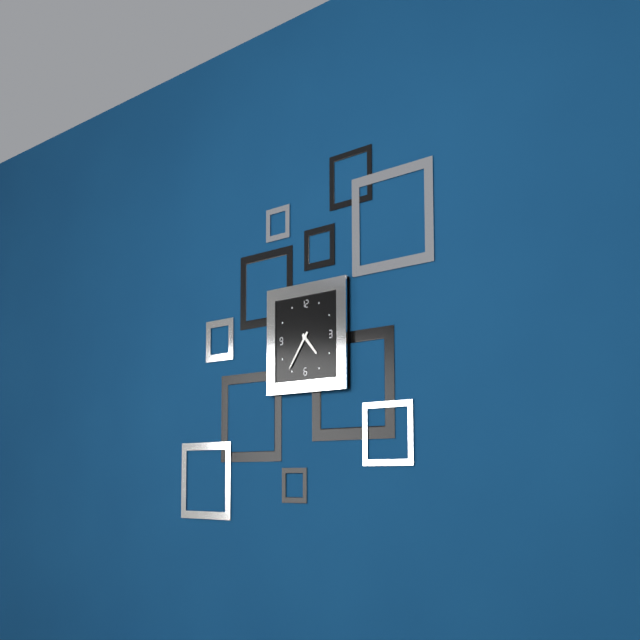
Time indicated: 4:36
